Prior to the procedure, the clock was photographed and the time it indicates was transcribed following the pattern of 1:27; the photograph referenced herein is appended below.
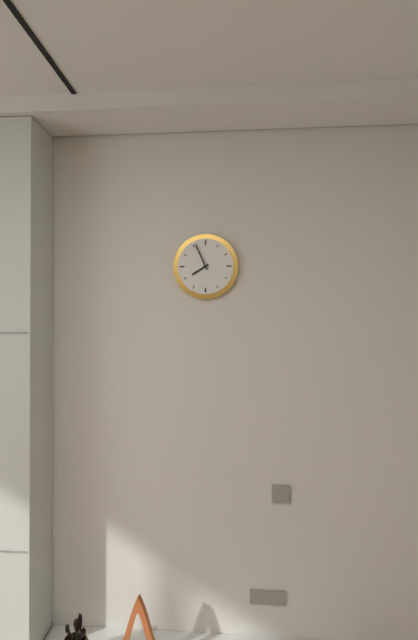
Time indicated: 7:56
